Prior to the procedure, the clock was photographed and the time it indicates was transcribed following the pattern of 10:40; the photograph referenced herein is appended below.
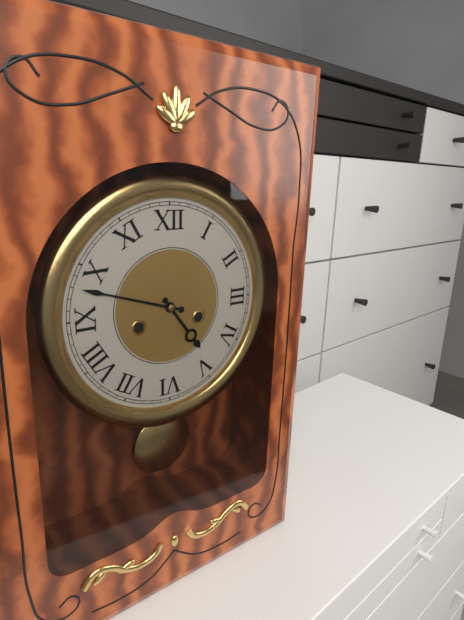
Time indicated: 4:48
